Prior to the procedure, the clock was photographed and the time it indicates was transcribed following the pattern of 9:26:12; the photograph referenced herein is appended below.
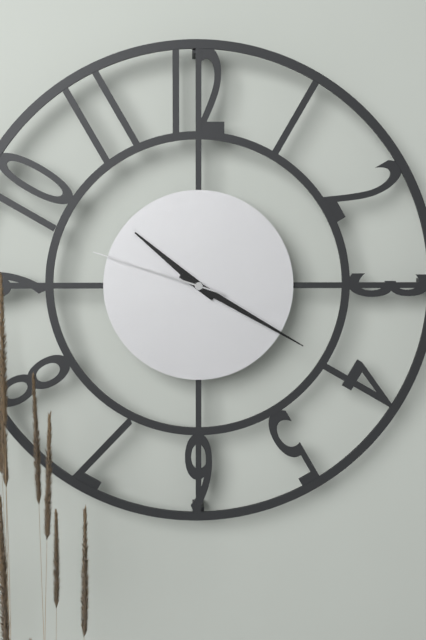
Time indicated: 10:20:48
